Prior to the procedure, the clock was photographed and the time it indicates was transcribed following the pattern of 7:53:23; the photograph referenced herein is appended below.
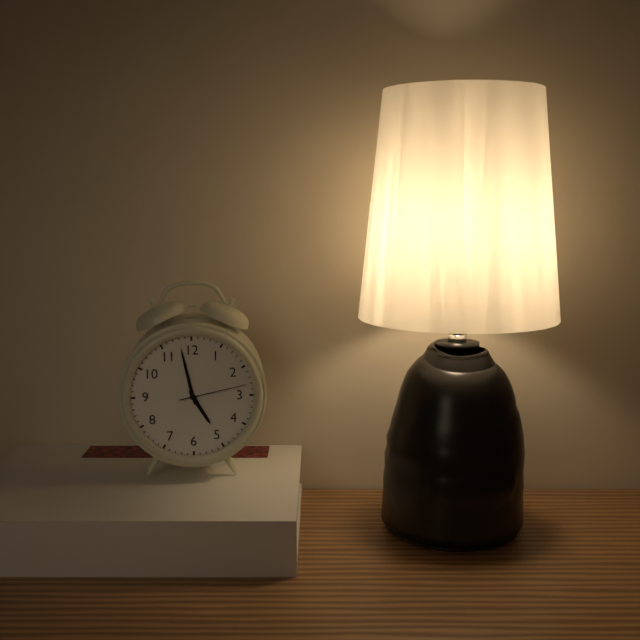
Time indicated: 4:58:13
